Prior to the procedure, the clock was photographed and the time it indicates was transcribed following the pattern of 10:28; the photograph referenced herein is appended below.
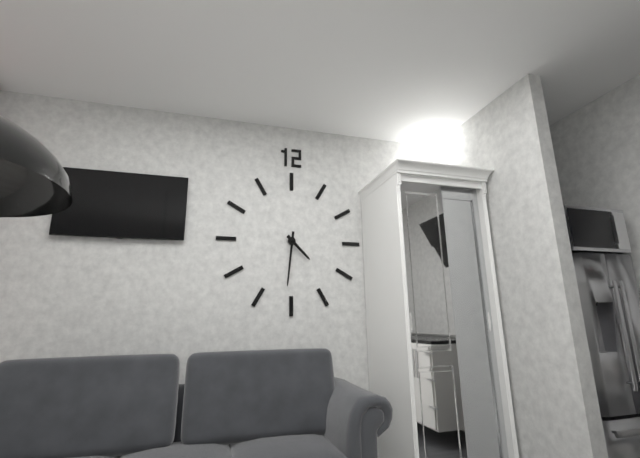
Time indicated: 4:31
